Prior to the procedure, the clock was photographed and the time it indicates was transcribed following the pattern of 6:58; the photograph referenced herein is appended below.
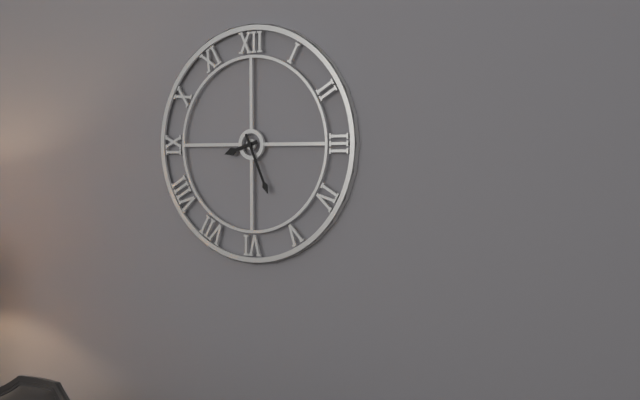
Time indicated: 8:26
